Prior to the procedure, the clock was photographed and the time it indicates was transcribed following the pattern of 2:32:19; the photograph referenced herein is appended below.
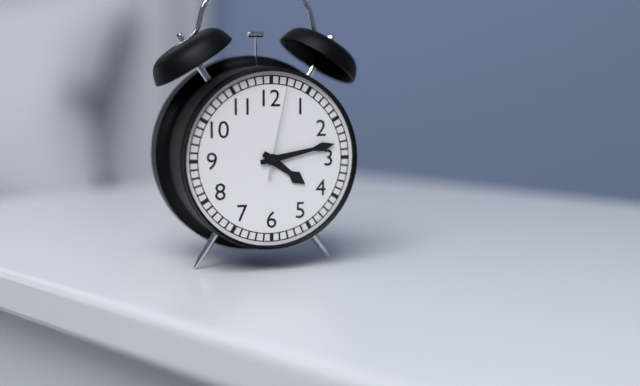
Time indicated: 4:13:02
